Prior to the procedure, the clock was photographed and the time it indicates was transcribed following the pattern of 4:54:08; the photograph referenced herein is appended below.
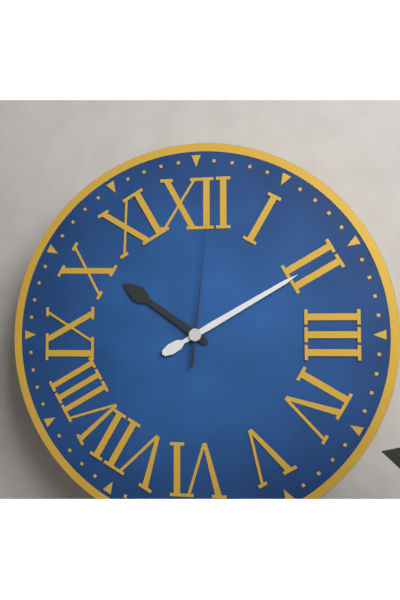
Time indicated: 10:10:01
